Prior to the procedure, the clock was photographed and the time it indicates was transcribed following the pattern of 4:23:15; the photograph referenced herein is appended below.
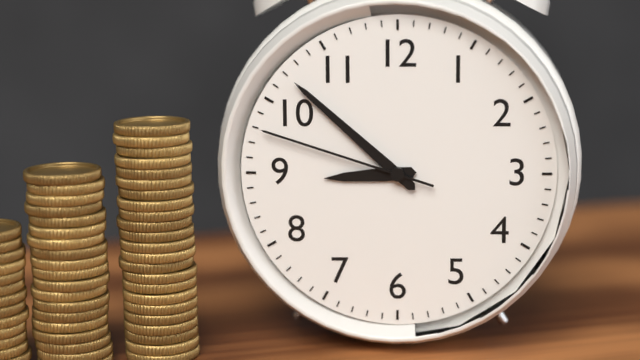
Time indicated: 8:52:48
